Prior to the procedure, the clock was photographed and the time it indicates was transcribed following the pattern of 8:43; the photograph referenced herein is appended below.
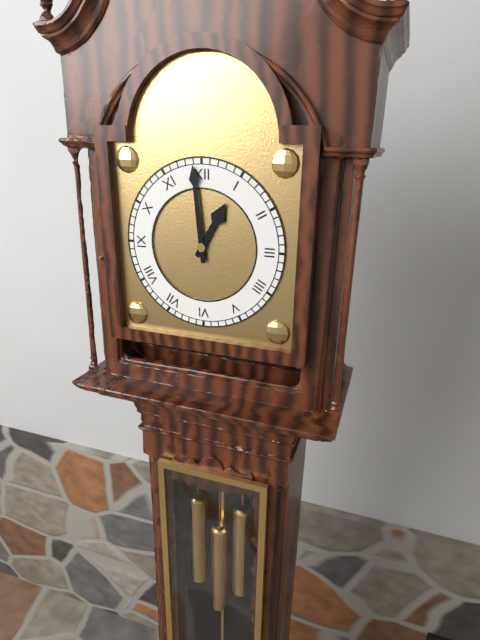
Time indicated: 12:59
